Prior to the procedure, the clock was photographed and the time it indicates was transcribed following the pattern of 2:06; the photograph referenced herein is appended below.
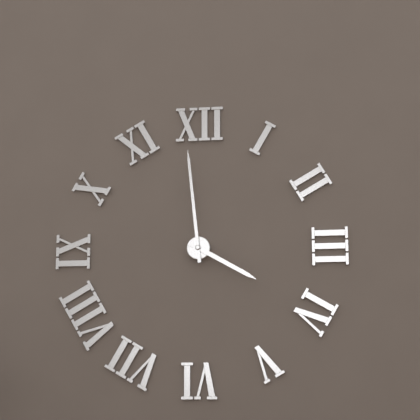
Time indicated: 3:59
